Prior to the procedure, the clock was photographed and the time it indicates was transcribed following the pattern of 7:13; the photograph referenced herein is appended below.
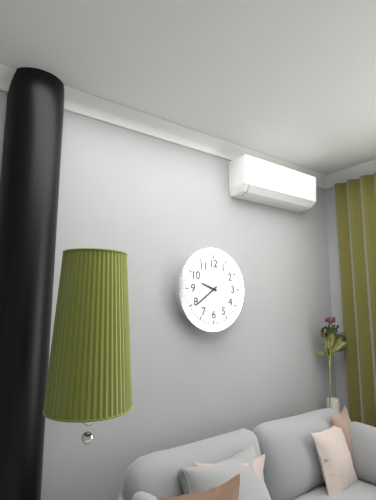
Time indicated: 9:39
